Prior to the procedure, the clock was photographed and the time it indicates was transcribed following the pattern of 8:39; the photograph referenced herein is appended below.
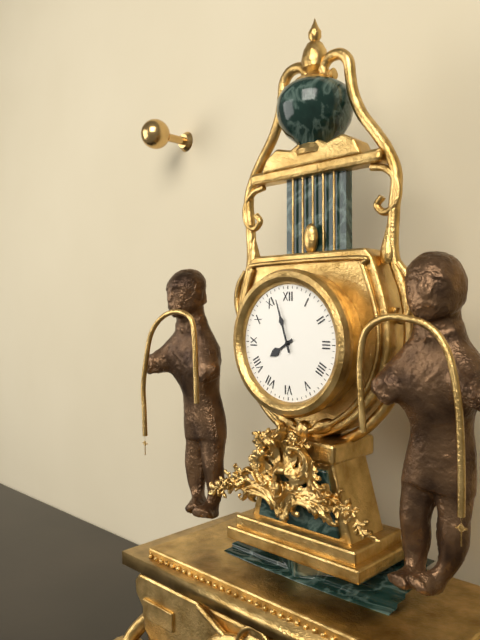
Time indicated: 7:57
